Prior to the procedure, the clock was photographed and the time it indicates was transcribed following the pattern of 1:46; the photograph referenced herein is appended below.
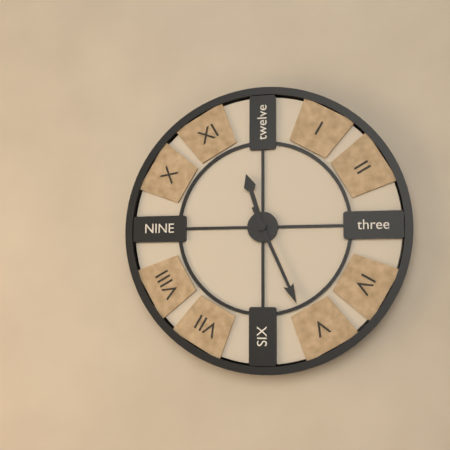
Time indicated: 11:26
